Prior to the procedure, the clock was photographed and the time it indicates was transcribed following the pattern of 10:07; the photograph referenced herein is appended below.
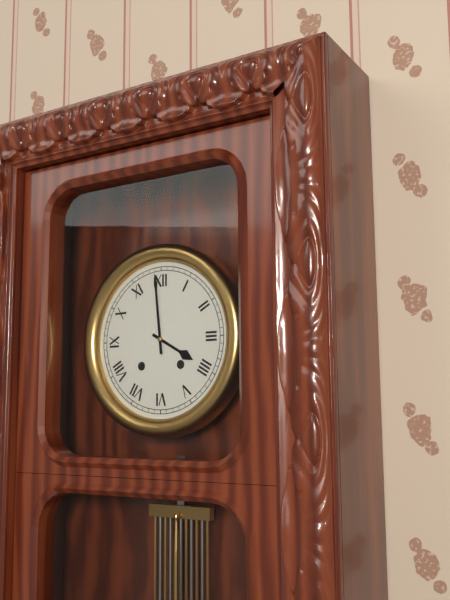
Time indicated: 3:59
